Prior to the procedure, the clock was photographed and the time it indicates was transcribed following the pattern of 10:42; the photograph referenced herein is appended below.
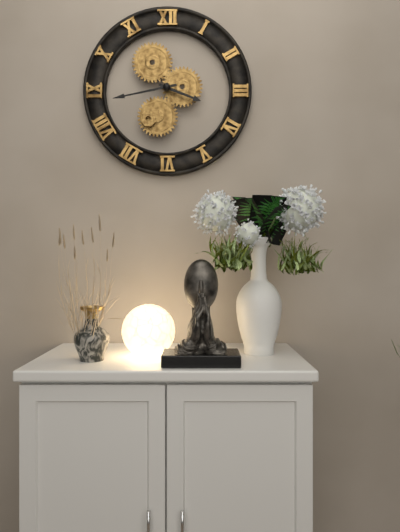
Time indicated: 3:43
